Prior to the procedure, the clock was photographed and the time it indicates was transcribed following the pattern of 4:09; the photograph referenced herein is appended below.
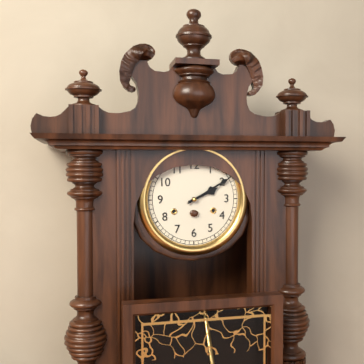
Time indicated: 2:10
